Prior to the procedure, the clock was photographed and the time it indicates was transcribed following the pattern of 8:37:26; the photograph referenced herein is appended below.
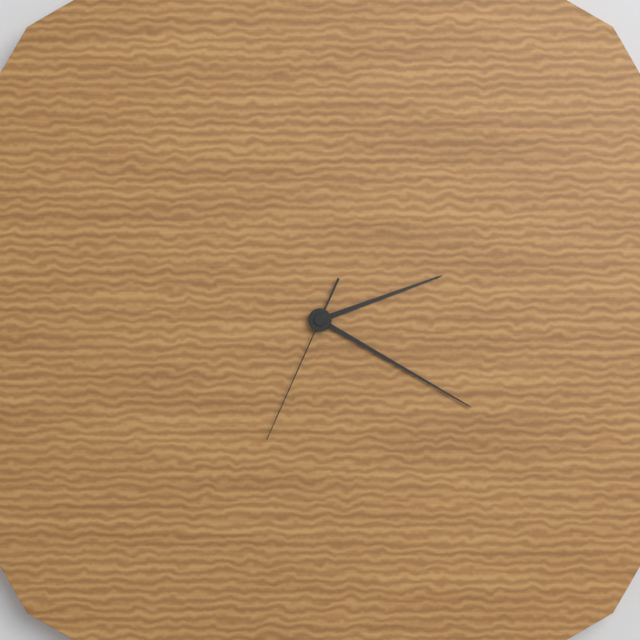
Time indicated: 2:20:34
